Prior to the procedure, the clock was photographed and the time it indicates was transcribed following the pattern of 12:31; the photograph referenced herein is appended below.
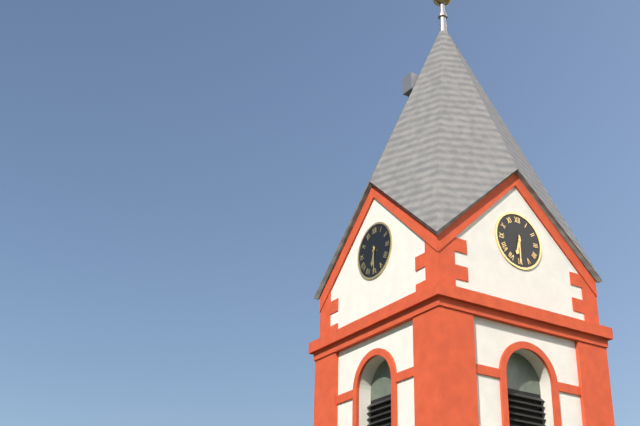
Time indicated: 6:30
